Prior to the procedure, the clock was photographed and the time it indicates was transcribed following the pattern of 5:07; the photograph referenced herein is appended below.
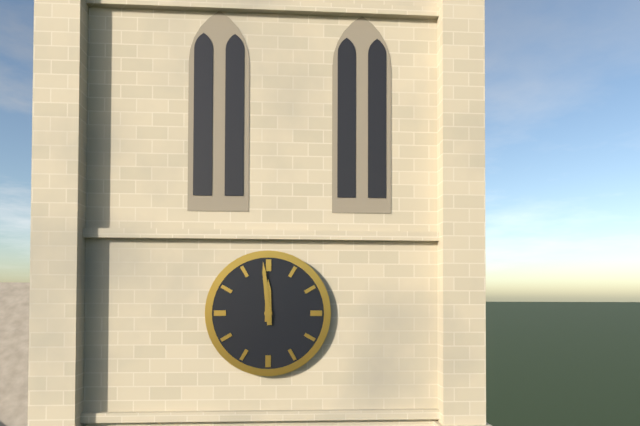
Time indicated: 11:59
